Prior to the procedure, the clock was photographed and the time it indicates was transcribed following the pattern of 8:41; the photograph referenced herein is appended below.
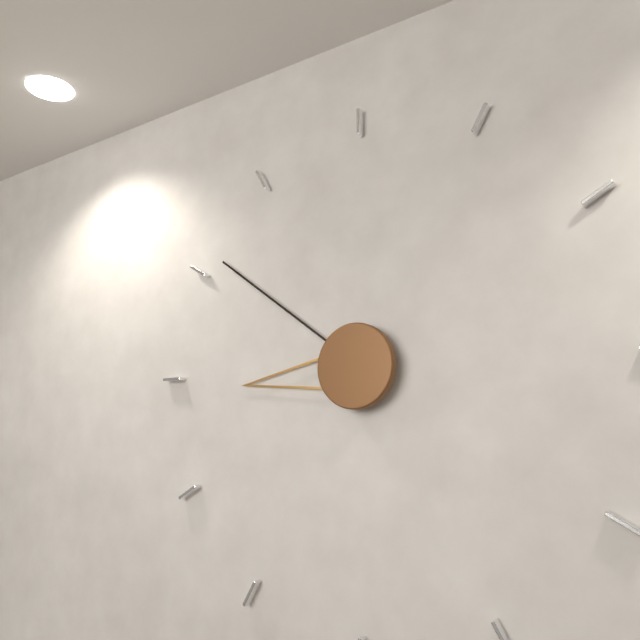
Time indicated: 8:51
